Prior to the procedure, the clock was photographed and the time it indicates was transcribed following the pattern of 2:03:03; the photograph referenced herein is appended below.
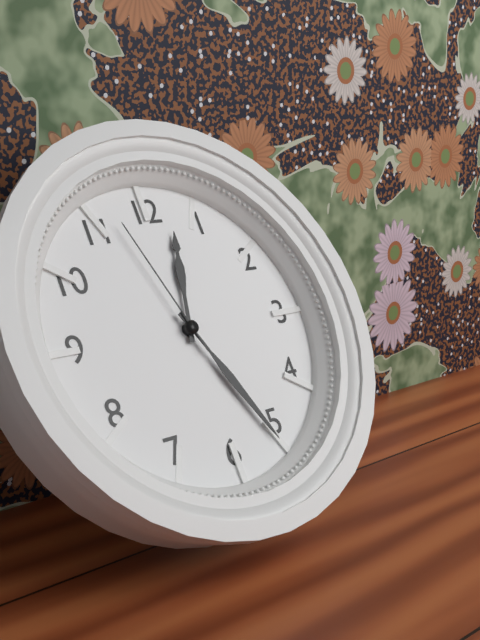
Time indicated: 12:26:57
